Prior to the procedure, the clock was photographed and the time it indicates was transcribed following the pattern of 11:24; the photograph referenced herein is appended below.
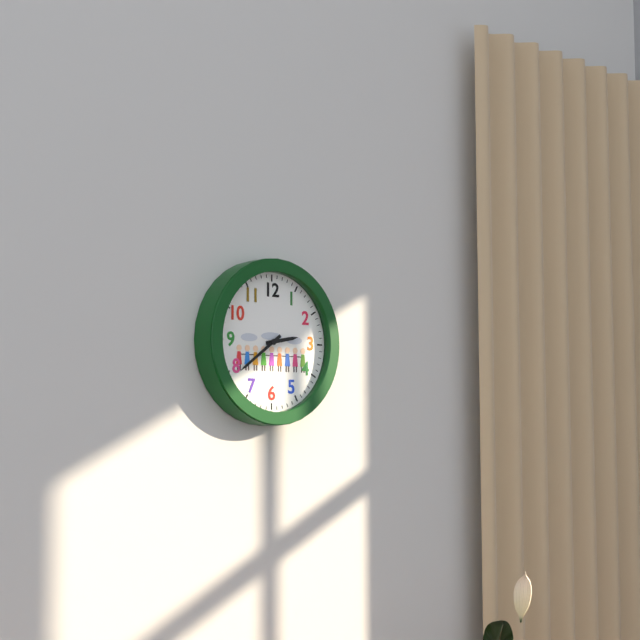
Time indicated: 2:39
